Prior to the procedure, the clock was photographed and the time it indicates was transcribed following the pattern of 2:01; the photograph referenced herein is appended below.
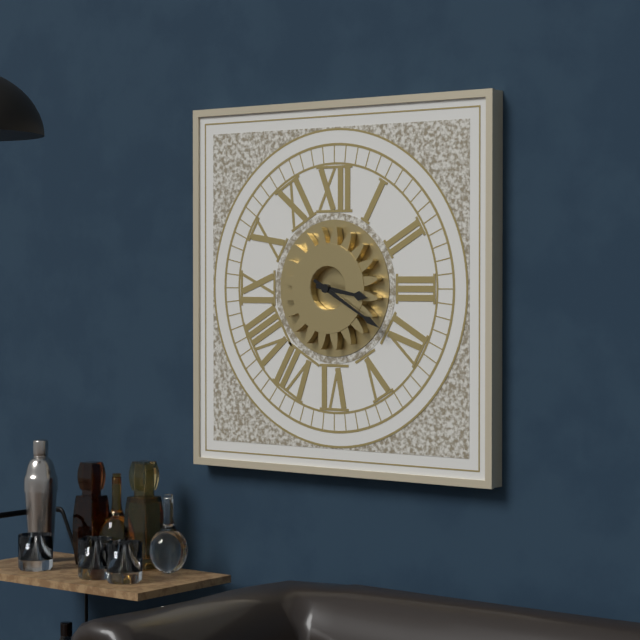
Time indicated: 3:20
